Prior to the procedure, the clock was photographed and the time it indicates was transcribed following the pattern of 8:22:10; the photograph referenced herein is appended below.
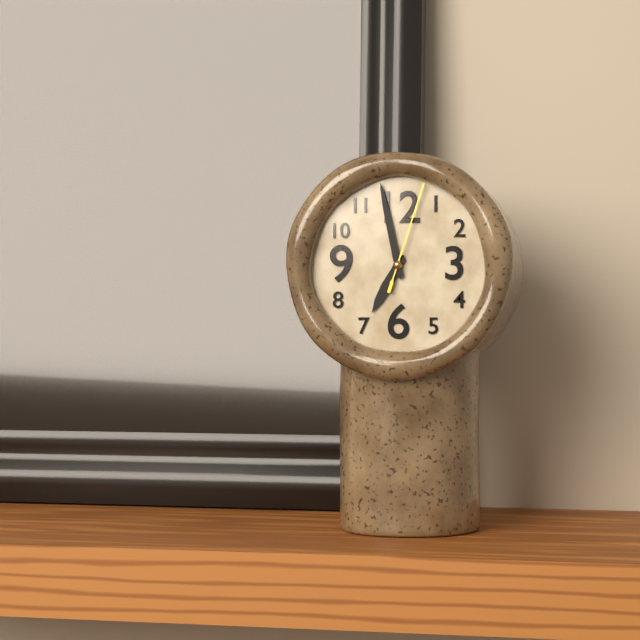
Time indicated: 6:58:03
